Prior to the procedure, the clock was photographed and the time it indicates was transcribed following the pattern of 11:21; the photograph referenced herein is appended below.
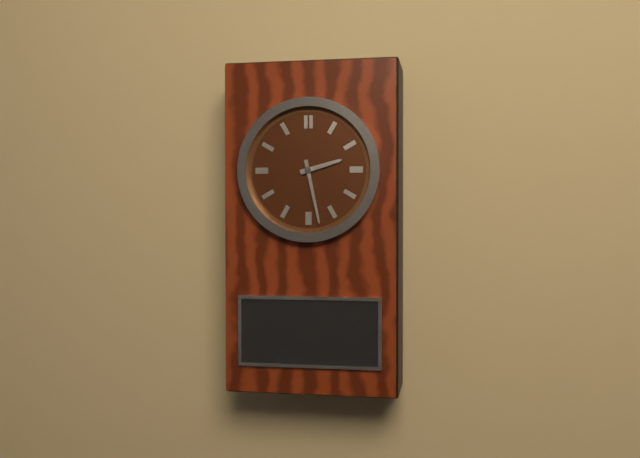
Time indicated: 2:28
